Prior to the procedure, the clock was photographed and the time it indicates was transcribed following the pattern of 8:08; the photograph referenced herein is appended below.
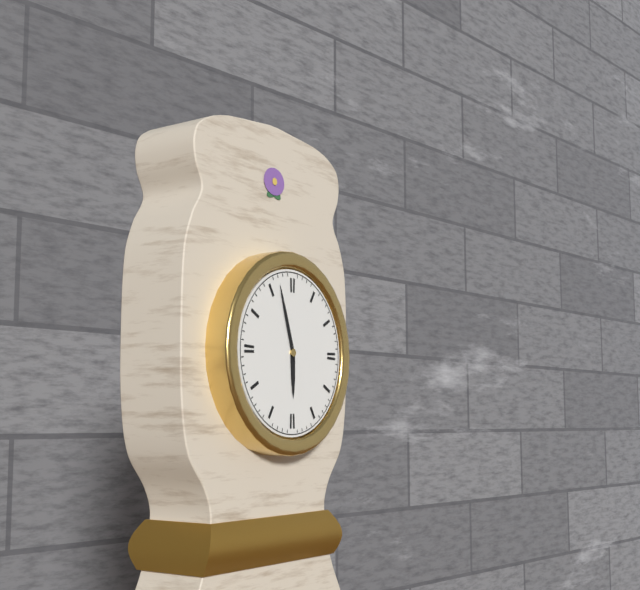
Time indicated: 5:57
